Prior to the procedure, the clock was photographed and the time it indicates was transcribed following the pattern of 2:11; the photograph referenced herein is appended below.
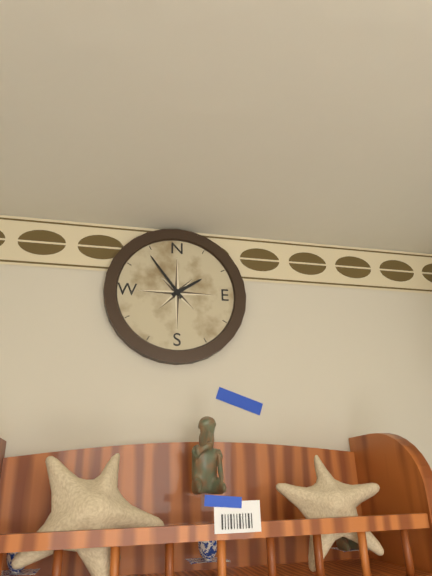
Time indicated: 1:54
